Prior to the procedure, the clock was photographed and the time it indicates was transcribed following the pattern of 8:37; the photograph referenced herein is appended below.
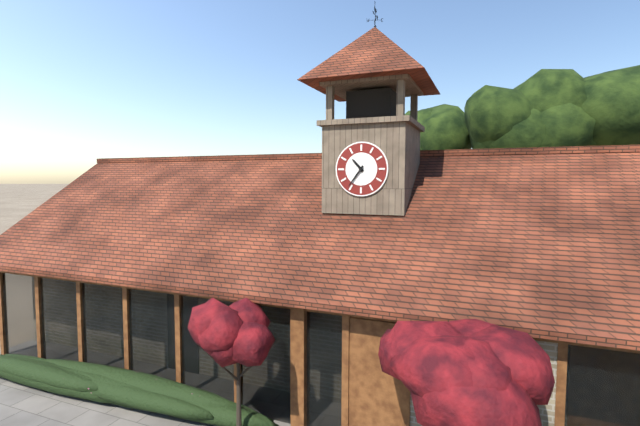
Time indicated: 10:36
